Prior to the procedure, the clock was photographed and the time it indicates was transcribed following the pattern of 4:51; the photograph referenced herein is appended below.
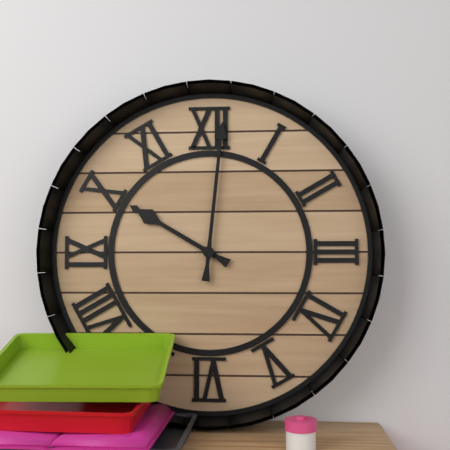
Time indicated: 10:01
